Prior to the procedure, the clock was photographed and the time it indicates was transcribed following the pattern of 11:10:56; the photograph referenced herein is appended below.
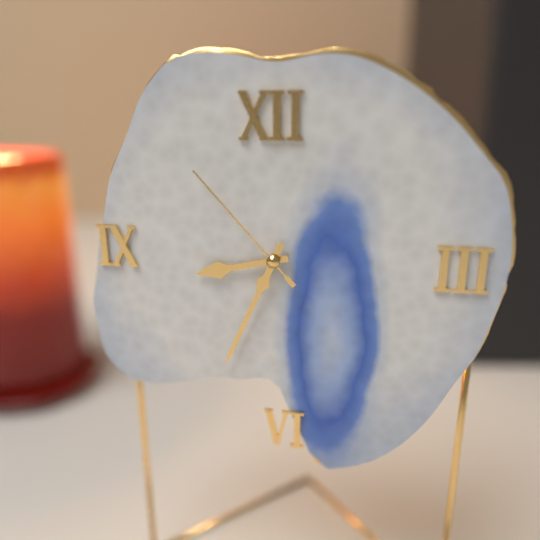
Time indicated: 8:34:53
